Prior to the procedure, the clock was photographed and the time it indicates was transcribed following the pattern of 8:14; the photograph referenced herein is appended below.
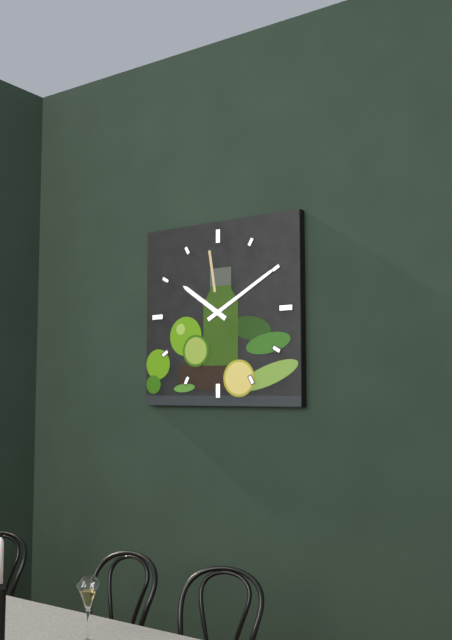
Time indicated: 10:10
